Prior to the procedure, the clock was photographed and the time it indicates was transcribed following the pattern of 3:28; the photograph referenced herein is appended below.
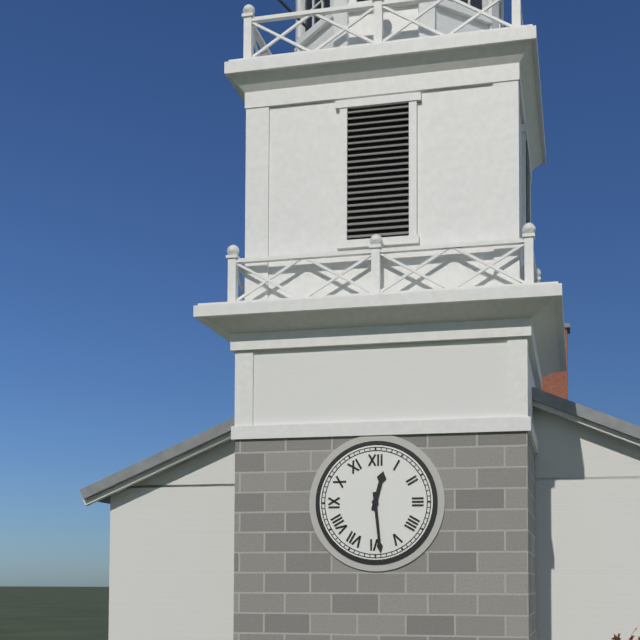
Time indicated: 12:29
